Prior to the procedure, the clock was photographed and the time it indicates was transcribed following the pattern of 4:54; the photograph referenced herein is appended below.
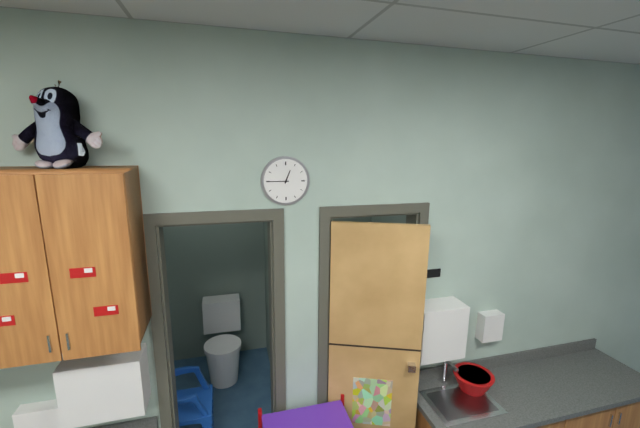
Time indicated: 12:45
